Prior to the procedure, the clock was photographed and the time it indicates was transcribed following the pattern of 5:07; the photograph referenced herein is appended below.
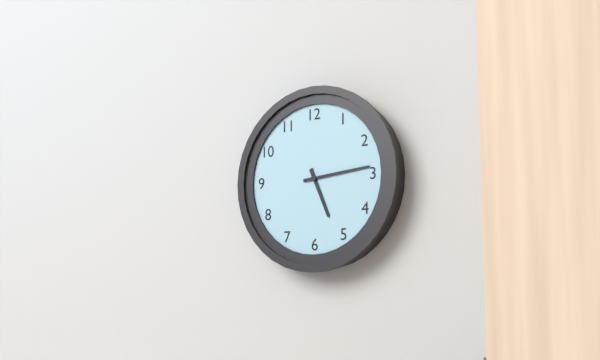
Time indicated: 5:14
